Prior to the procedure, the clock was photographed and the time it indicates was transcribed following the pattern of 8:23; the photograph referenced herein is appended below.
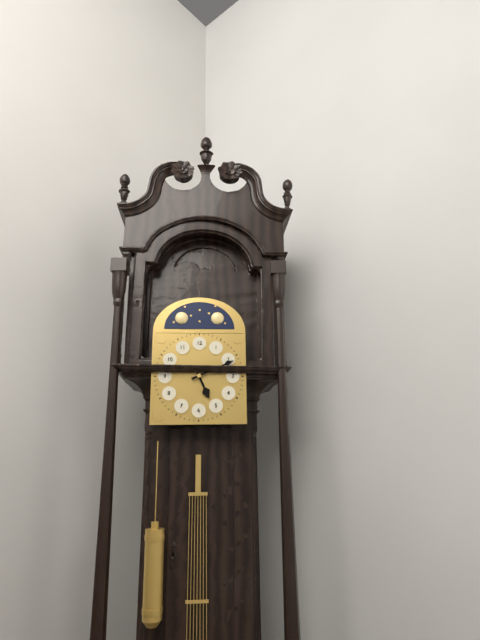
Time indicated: 5:11
